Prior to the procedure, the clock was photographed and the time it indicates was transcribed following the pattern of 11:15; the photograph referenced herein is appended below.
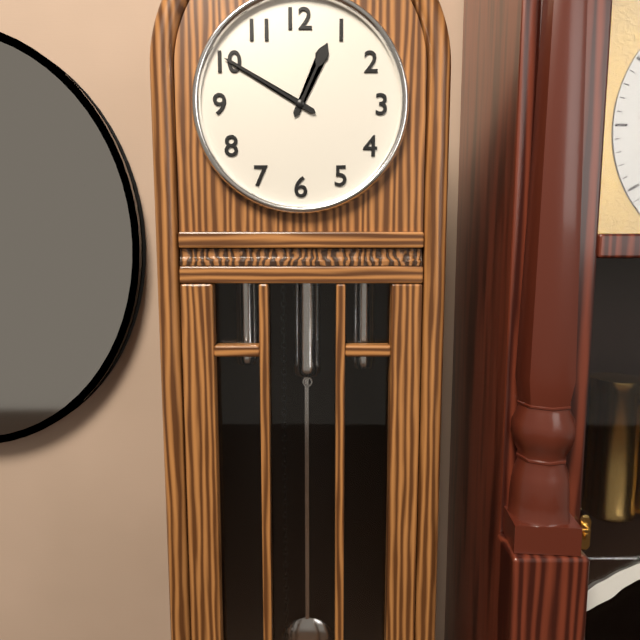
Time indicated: 12:50
